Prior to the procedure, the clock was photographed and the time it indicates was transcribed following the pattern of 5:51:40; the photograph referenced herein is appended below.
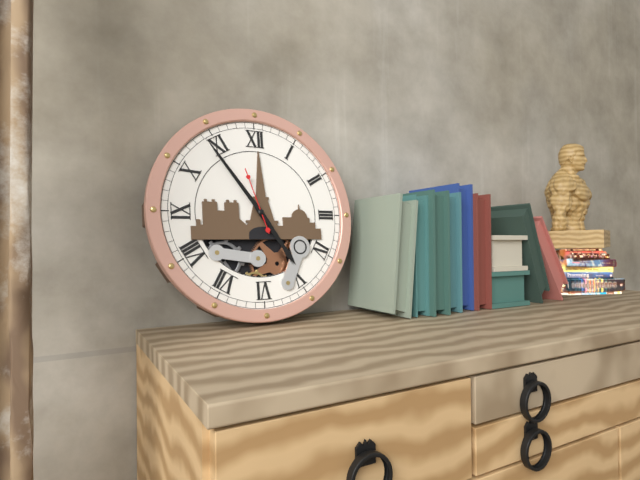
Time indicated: 4:54:57
